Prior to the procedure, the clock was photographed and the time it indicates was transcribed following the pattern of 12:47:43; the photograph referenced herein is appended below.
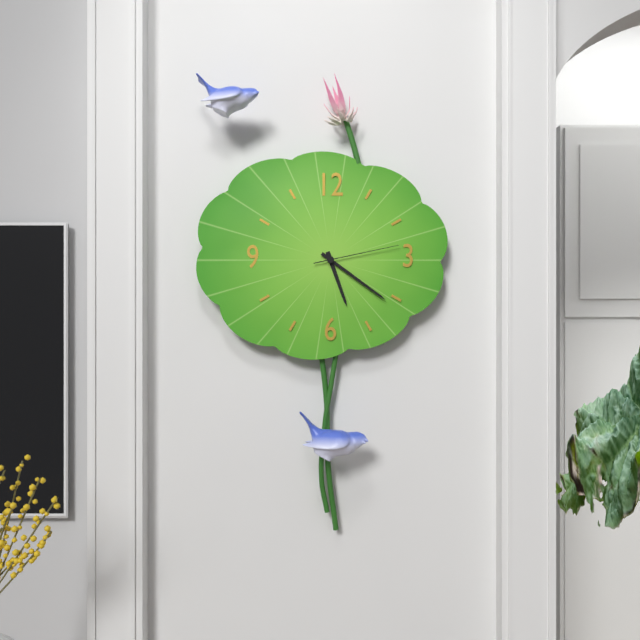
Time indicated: 5:21:13
